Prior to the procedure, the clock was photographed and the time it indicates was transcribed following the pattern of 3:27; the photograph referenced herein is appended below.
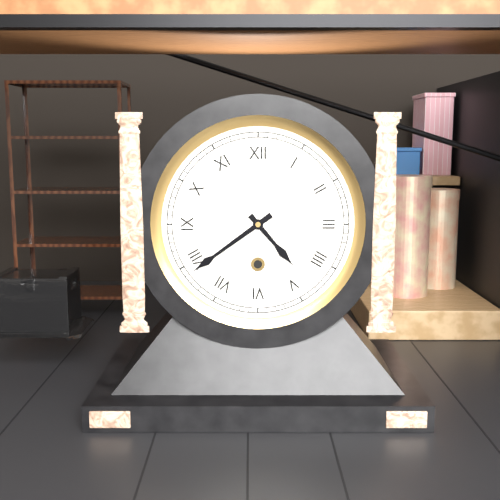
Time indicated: 4:39
